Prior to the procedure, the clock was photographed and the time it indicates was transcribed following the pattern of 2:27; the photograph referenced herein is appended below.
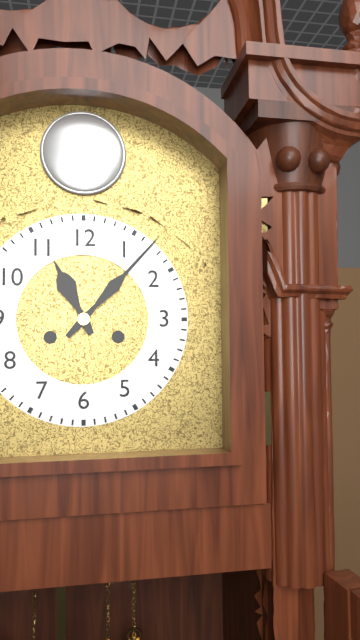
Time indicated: 11:07
